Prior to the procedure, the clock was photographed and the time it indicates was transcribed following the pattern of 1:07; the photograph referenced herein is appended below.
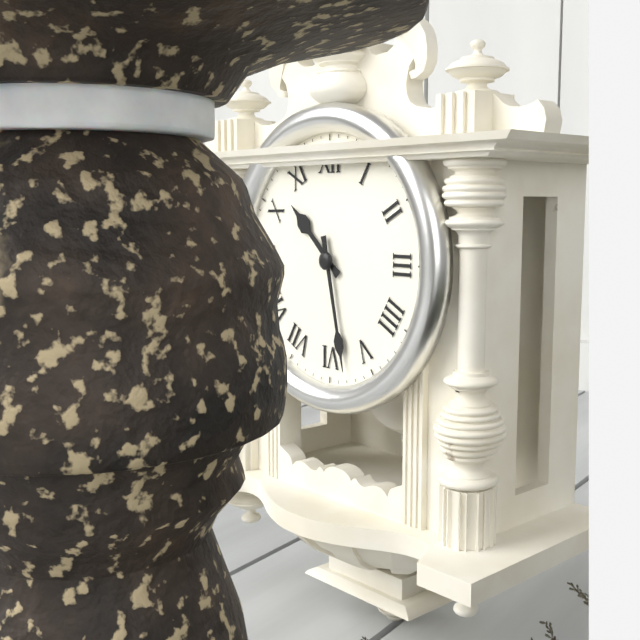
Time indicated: 10:28
